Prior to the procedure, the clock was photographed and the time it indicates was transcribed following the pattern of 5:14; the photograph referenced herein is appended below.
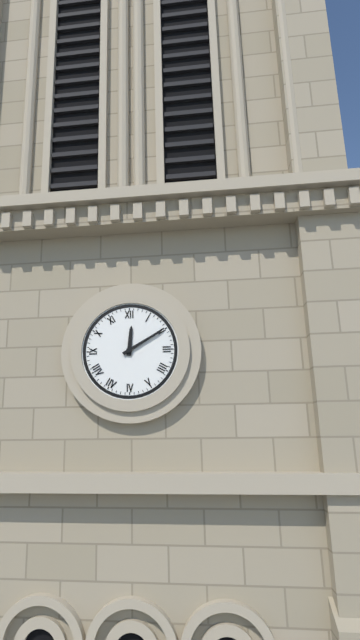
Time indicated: 12:10
